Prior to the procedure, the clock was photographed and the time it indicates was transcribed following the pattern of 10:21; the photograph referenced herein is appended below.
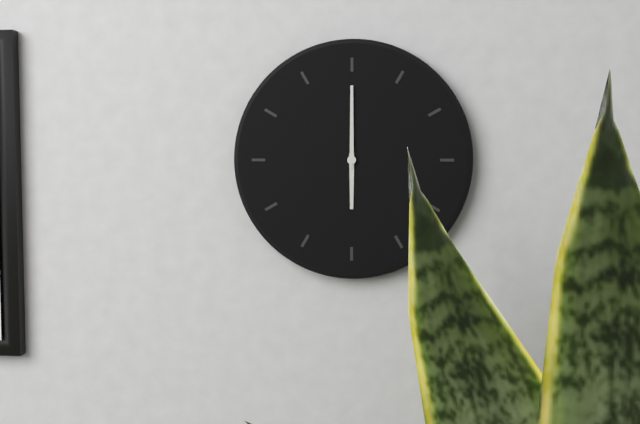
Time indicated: 6:00
